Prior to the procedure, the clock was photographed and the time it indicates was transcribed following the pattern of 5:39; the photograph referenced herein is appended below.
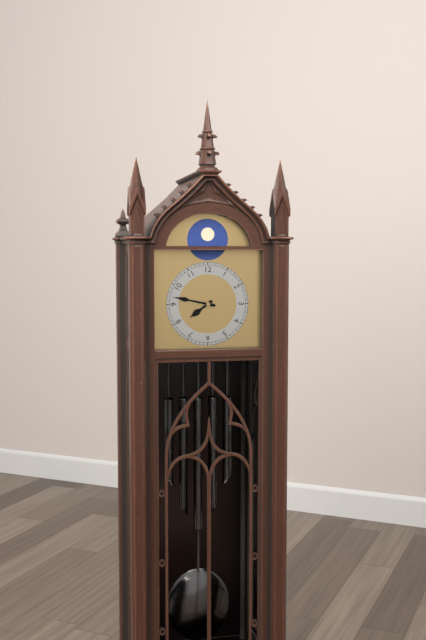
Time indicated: 7:47
